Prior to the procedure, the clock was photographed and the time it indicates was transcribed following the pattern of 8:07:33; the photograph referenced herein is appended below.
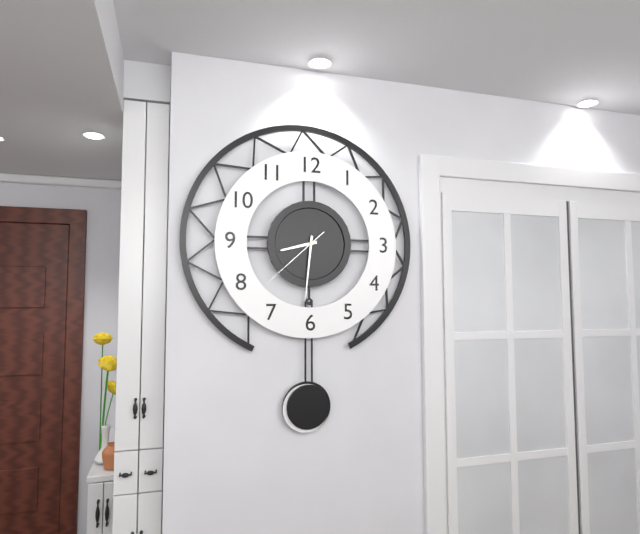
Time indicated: 8:31:38
